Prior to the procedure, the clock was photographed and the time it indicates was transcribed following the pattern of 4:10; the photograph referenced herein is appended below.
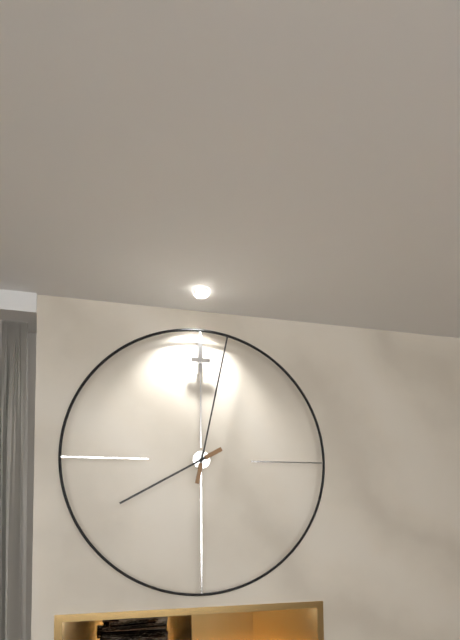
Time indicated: 8:02
